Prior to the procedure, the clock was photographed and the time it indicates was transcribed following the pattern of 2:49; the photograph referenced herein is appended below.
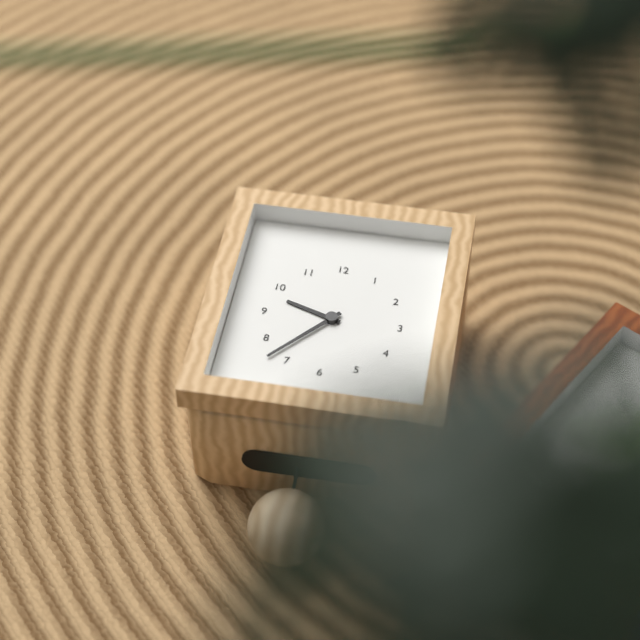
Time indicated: 9:37
